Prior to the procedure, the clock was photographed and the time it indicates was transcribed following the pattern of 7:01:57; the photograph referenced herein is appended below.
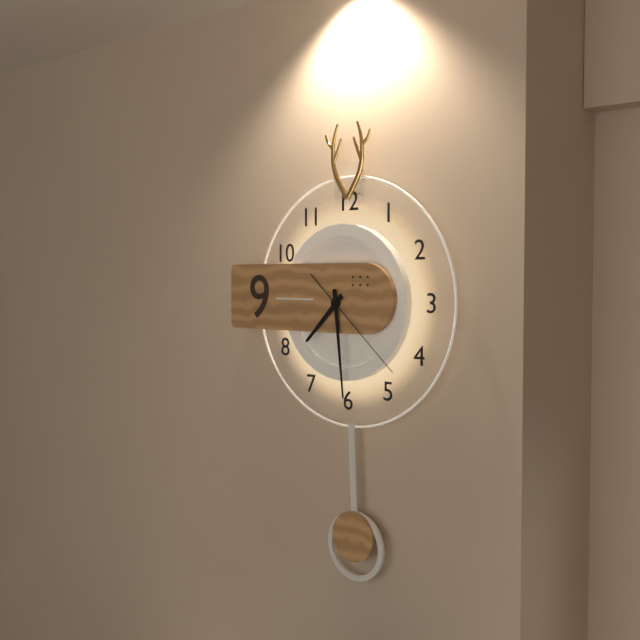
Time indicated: 7:29:22
